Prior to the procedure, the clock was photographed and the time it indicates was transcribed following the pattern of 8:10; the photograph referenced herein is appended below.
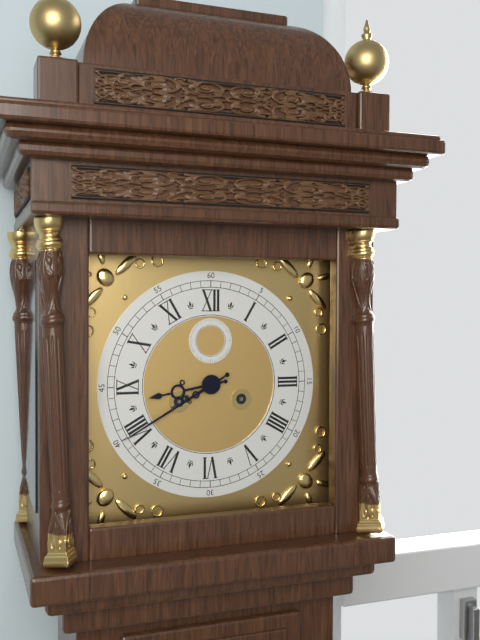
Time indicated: 8:40
